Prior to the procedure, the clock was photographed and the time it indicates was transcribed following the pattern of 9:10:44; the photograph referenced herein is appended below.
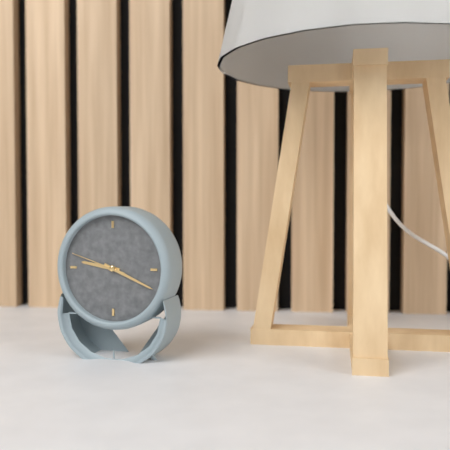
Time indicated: 9:19:48
